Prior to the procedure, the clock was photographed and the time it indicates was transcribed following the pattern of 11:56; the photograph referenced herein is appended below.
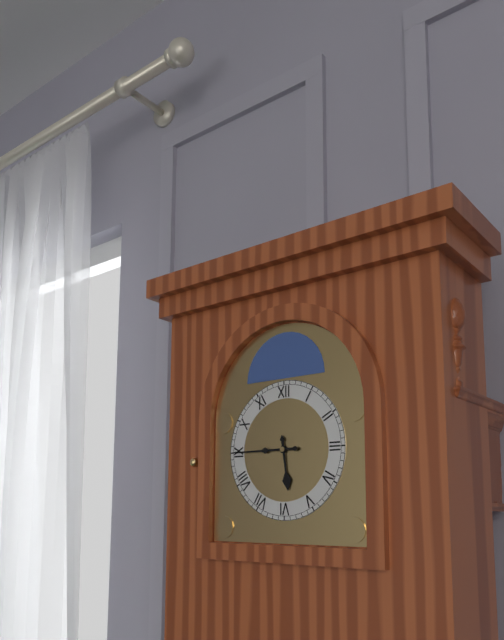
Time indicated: 5:45
